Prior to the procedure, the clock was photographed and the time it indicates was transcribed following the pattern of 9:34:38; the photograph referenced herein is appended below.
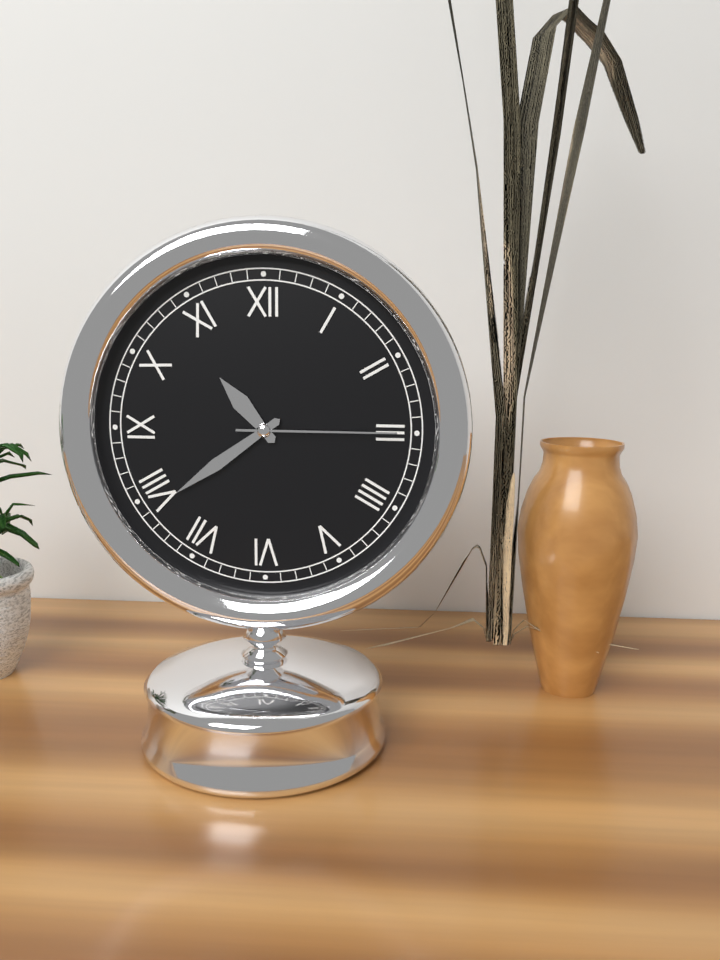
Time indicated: 10:39:15
